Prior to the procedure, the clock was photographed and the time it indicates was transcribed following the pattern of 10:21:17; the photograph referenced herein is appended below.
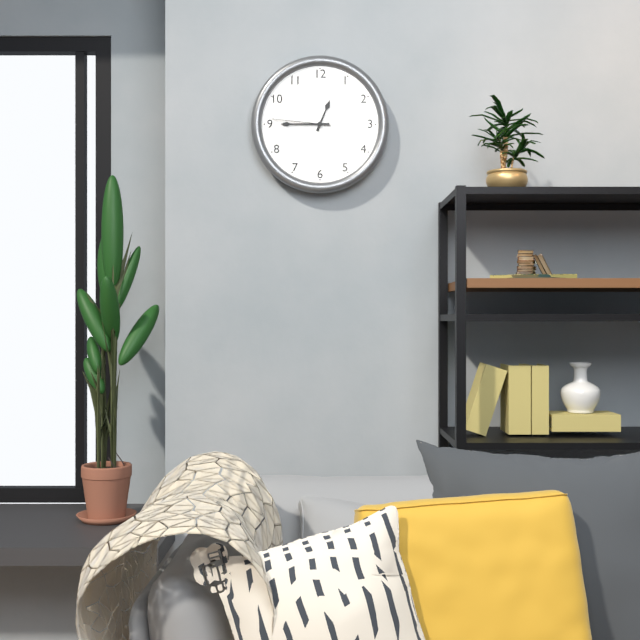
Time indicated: 12:45:46
